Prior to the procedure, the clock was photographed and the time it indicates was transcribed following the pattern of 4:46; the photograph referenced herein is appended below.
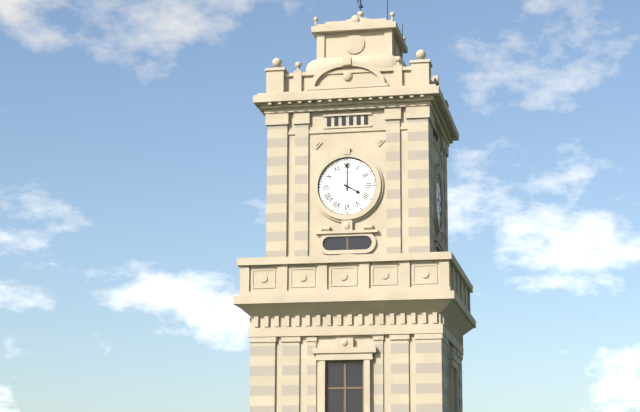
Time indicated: 4:00
